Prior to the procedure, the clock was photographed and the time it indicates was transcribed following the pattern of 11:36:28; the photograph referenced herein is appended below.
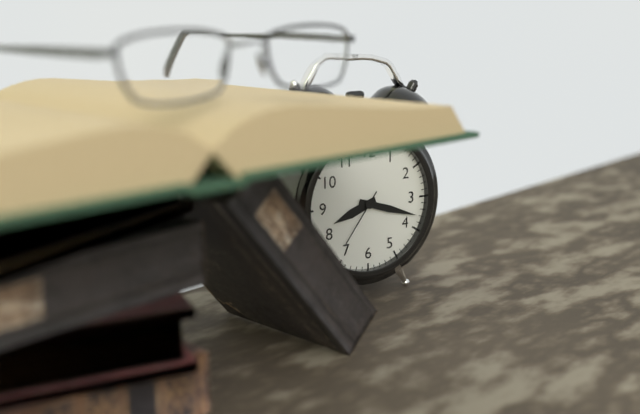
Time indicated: 8:18:36
